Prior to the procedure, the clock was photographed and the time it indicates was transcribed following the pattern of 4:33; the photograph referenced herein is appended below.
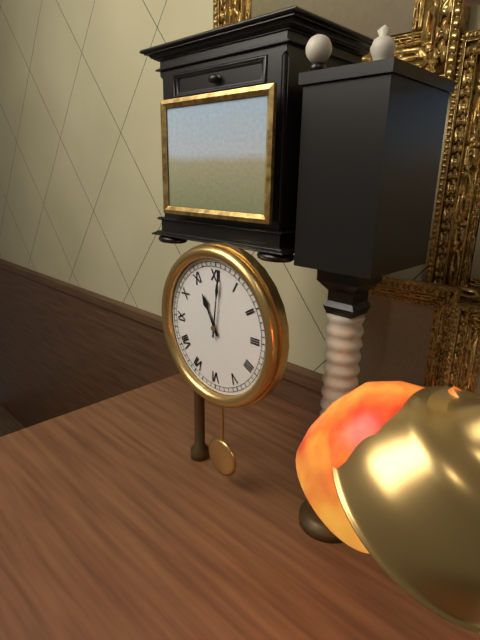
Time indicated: 11:01
